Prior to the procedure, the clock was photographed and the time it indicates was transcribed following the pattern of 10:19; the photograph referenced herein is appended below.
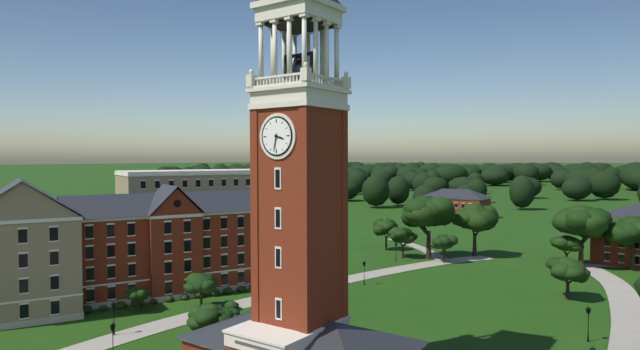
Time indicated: 3:32
